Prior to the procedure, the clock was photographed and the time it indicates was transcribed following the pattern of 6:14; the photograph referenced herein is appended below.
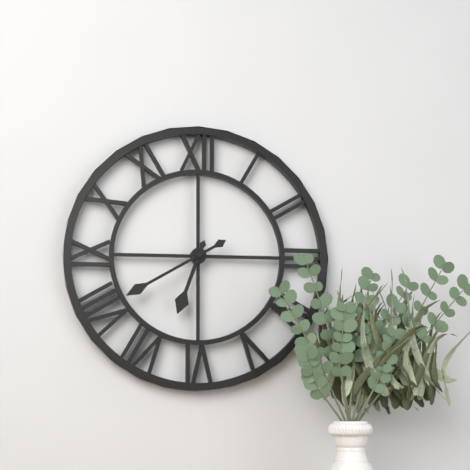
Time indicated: 6:40
